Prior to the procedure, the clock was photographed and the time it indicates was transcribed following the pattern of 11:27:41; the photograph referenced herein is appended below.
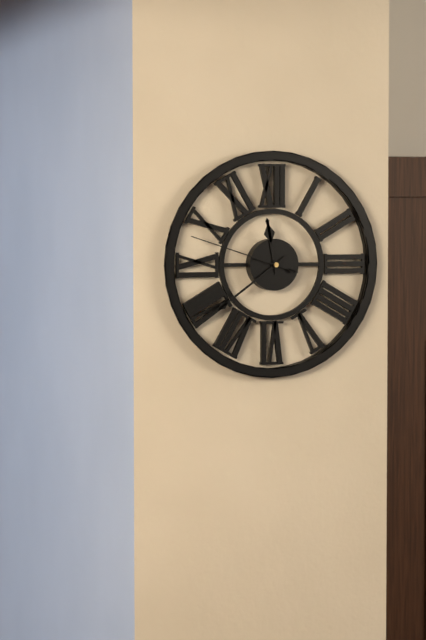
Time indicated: 11:39:48
